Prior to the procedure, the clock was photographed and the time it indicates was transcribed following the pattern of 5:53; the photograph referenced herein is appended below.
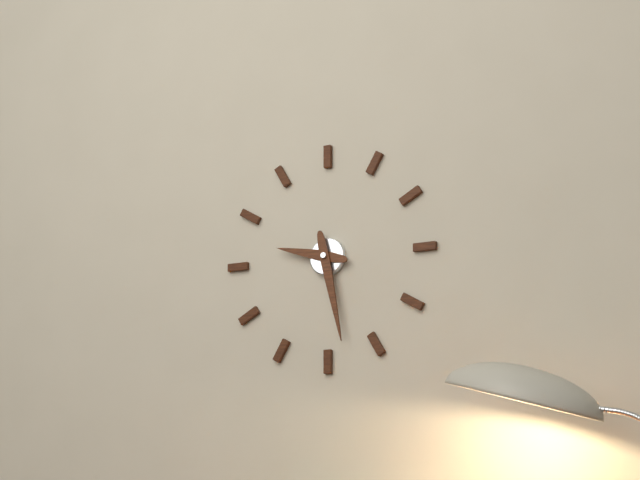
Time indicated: 9:28
